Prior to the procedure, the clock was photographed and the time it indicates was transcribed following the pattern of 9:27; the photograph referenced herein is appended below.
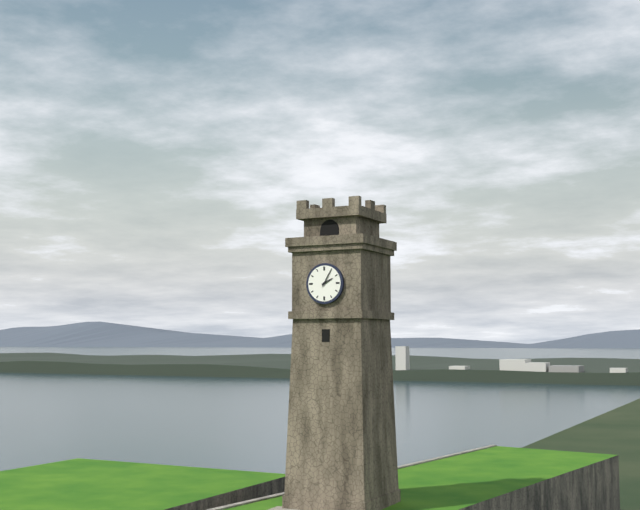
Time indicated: 2:05
